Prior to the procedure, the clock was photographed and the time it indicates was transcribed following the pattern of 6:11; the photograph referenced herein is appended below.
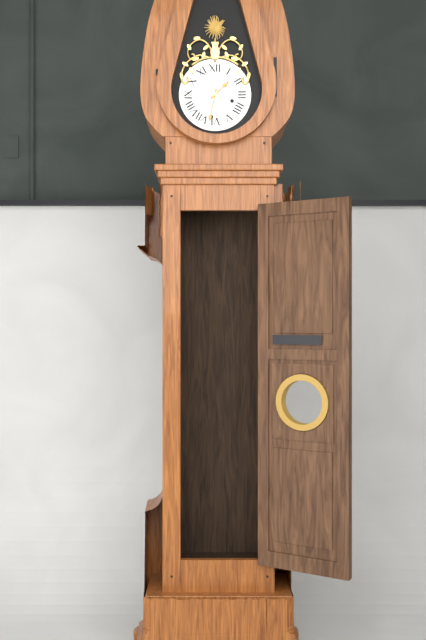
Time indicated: 1:32
